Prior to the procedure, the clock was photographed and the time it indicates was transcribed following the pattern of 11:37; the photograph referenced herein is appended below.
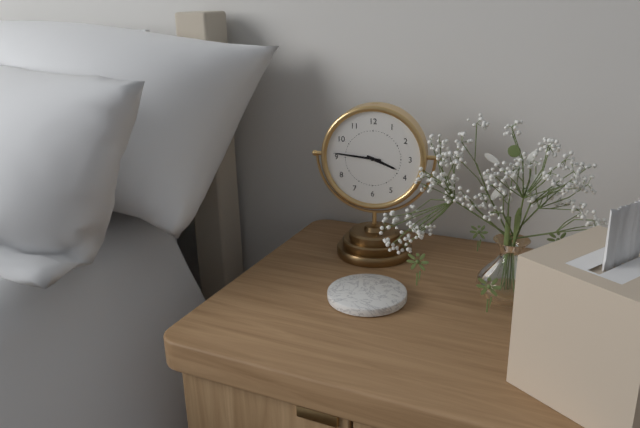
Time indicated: 3:46
